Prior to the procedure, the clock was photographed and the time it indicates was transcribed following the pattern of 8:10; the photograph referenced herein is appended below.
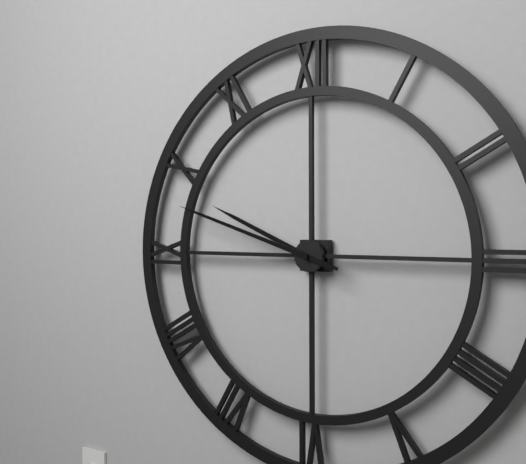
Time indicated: 9:48
